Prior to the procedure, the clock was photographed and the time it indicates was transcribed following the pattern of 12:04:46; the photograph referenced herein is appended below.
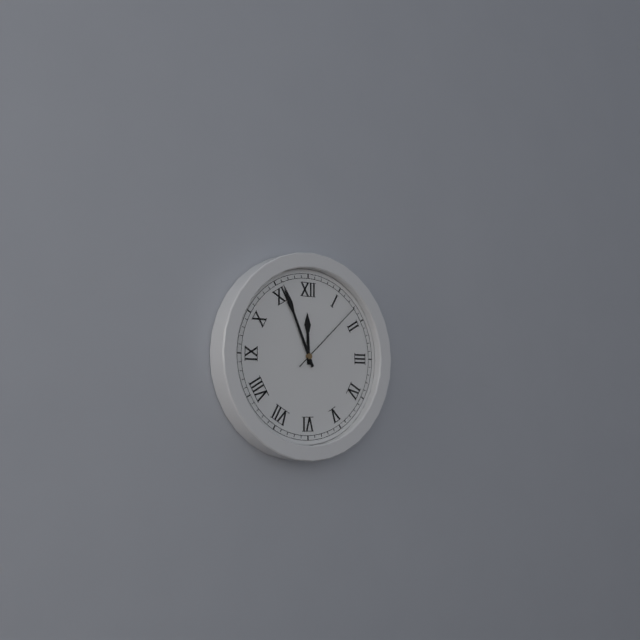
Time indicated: 11:56:08
